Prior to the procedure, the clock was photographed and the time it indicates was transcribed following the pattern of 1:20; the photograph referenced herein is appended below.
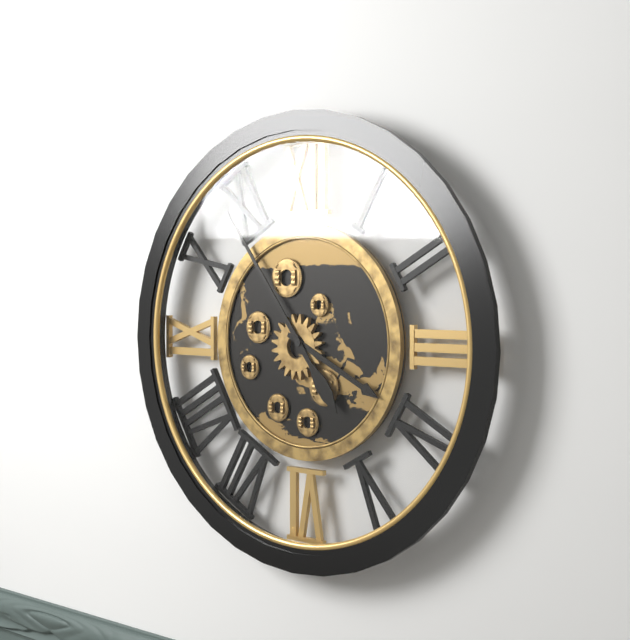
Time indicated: 3:54
